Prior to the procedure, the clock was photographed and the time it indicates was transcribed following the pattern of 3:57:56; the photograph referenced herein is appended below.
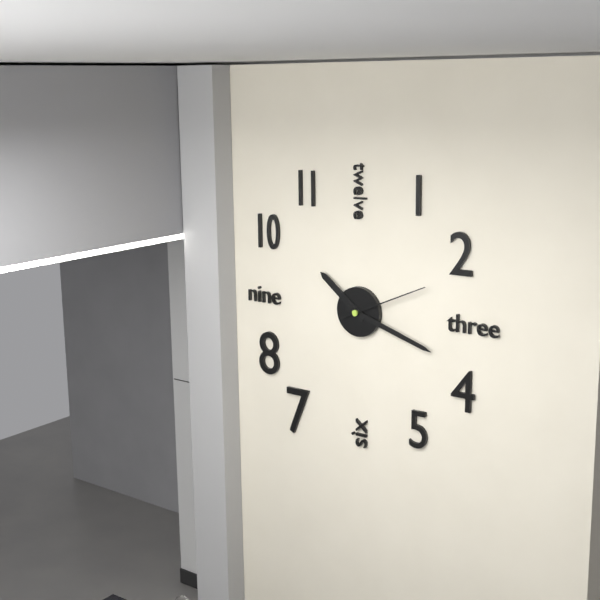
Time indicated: 10:18:11
